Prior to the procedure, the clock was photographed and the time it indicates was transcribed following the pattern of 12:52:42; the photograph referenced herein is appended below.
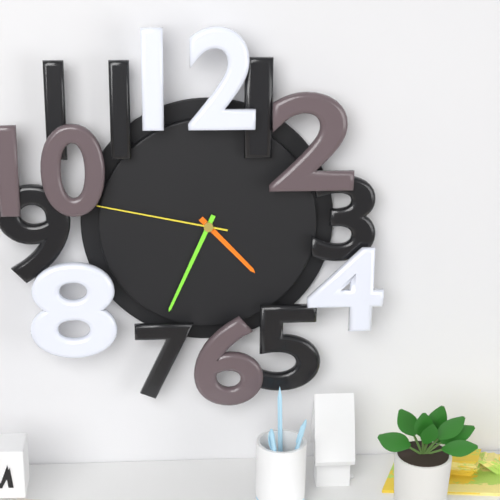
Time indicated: 4:34:47
